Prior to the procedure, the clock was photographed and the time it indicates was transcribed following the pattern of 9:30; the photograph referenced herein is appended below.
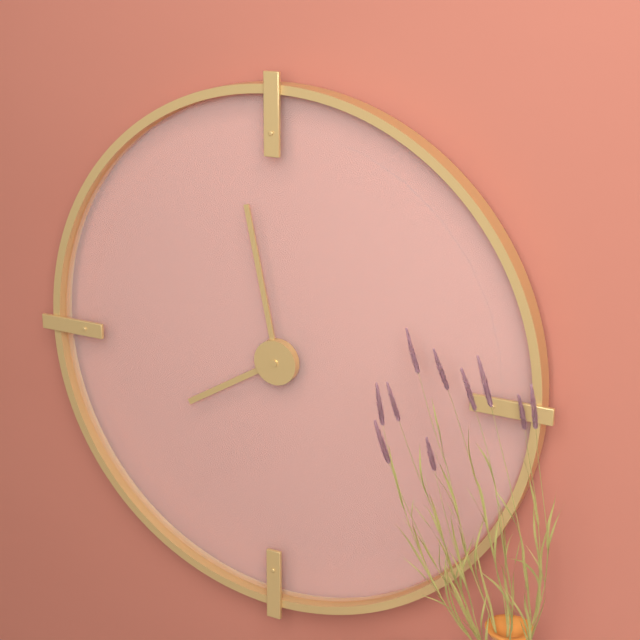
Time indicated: 7:58
